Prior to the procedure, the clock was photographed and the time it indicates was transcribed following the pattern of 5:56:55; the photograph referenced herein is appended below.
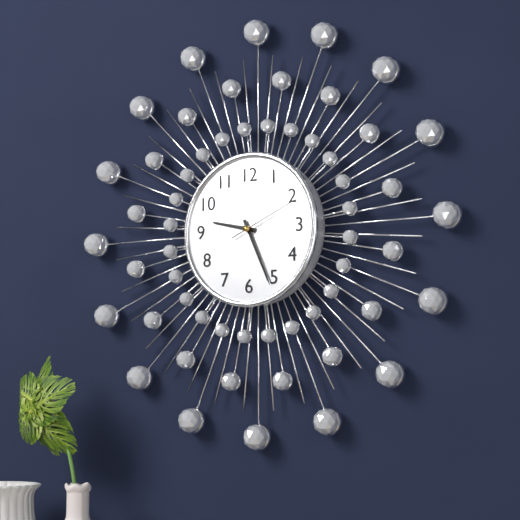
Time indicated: 9:26:11
